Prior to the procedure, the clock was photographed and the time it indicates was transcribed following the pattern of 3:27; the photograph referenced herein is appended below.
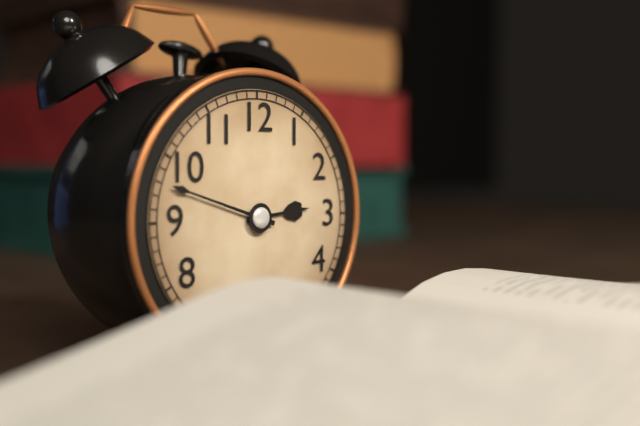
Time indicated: 2:48
